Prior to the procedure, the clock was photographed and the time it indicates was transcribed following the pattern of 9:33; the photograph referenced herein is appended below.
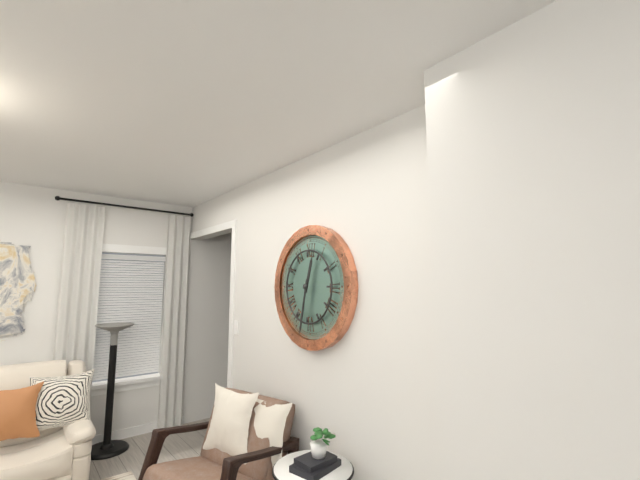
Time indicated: 12:32
